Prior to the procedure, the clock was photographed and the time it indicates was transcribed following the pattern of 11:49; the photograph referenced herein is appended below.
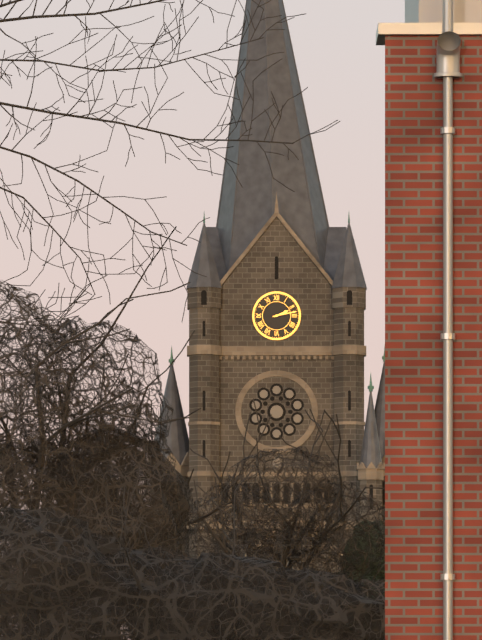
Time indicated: 2:13
